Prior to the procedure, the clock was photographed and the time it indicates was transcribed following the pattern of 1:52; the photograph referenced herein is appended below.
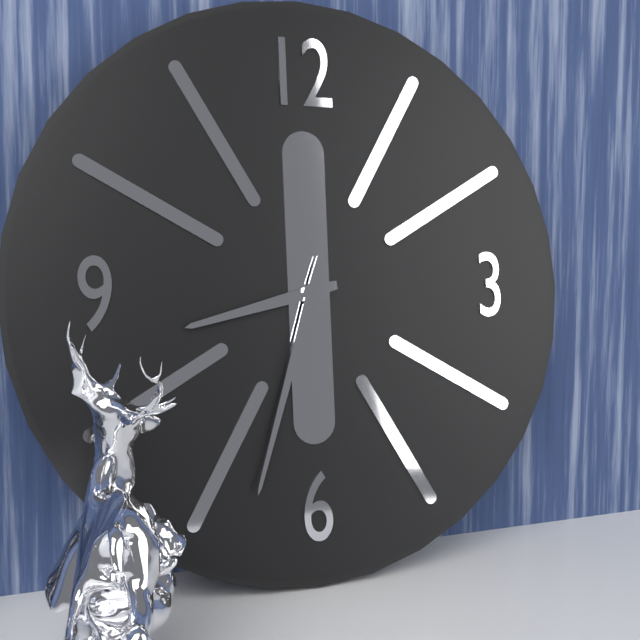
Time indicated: 8:33
